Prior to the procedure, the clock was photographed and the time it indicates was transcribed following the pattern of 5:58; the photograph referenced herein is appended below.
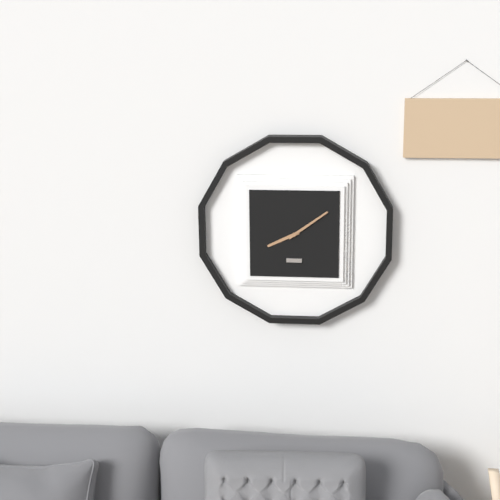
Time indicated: 8:09
